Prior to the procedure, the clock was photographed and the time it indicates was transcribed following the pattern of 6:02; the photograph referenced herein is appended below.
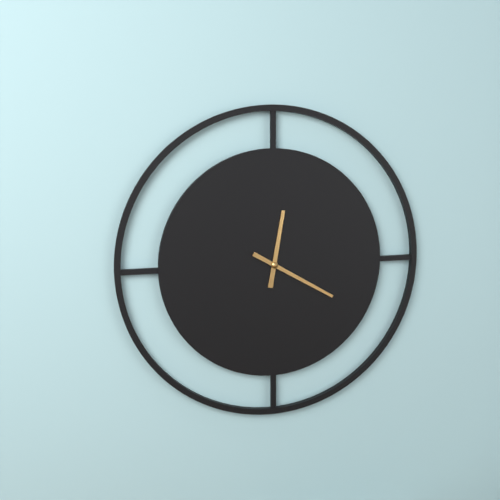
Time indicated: 12:20
